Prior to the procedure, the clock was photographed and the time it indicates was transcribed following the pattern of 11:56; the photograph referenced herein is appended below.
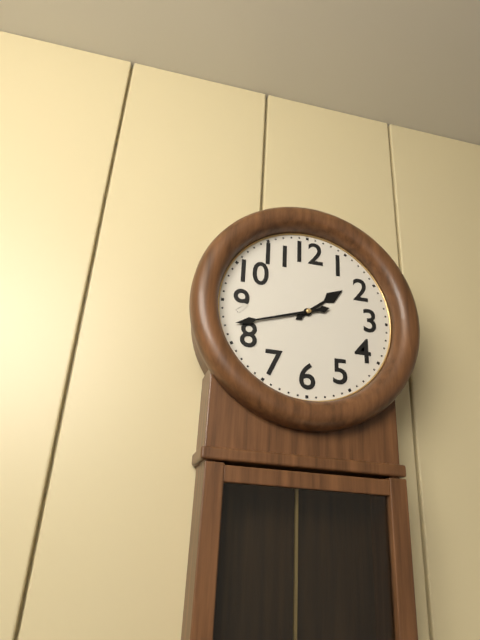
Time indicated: 1:42
